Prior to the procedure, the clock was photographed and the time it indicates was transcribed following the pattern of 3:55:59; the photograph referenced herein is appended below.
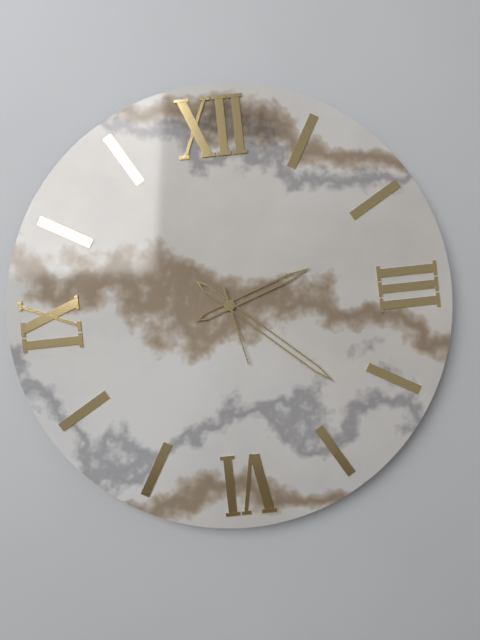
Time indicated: 2:22:28
